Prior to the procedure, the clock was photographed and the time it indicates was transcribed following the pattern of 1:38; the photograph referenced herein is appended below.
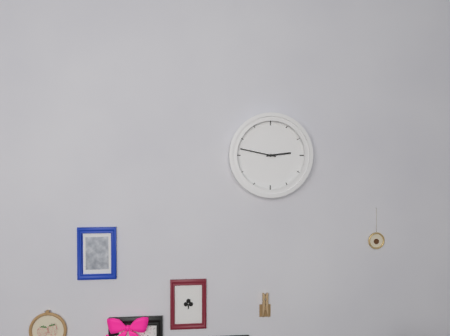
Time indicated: 2:47
